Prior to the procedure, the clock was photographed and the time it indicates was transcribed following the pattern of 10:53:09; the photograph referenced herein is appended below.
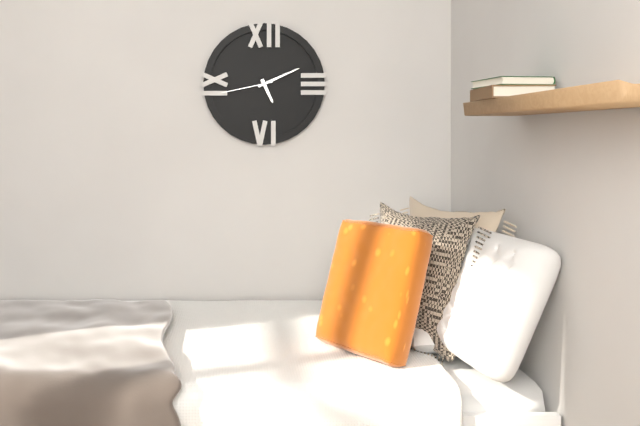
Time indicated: 5:11:43
